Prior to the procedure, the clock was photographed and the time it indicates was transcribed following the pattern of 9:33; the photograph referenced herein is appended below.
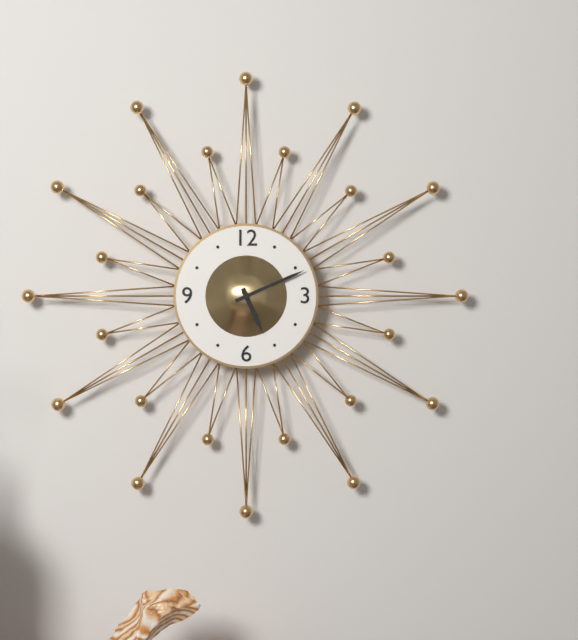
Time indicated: 5:11
